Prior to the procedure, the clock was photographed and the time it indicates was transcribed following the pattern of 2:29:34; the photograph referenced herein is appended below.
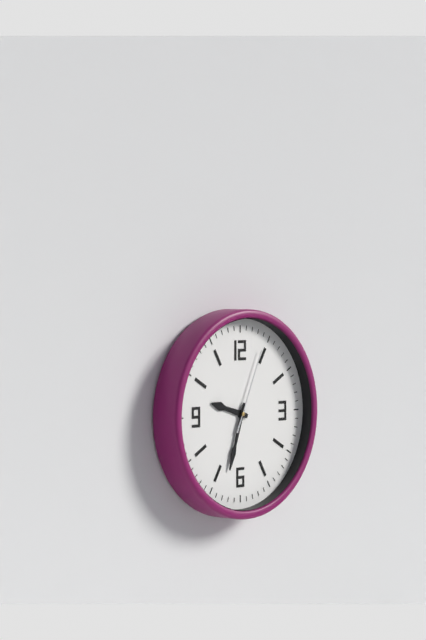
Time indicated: 9:33:04
